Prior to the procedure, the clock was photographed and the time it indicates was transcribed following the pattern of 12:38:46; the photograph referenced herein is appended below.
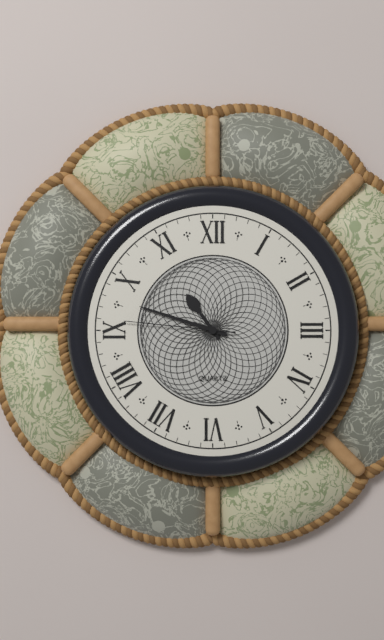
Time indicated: 10:48:46
